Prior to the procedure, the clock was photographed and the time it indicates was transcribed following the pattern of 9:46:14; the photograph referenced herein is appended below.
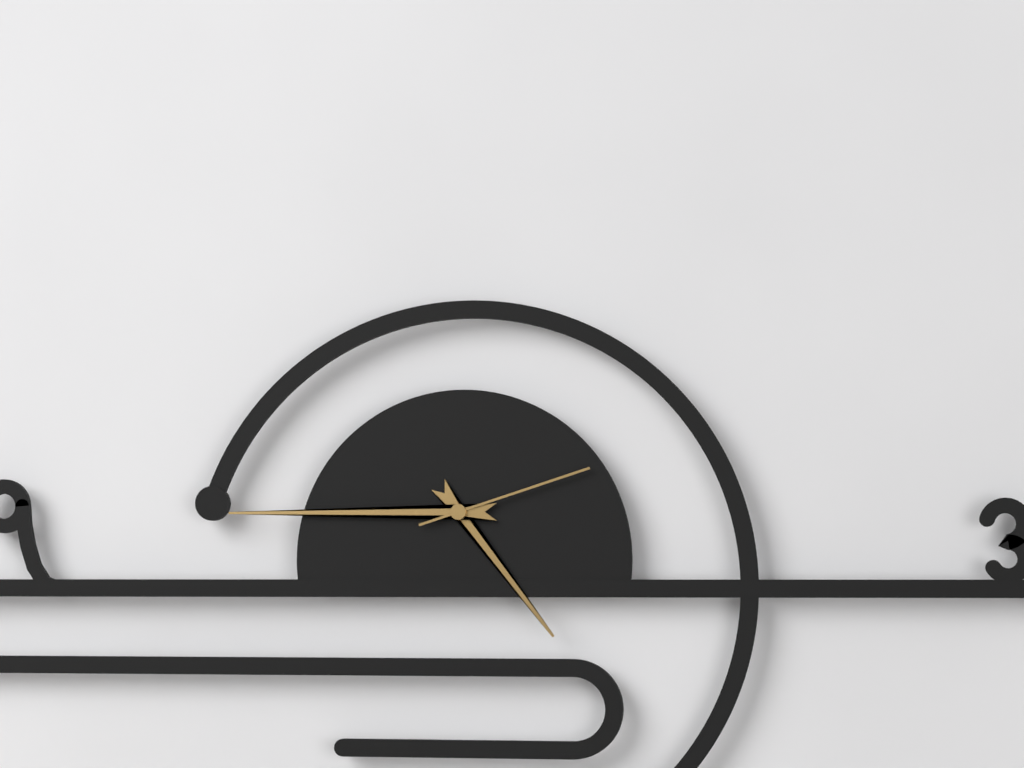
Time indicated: 4:45:12
